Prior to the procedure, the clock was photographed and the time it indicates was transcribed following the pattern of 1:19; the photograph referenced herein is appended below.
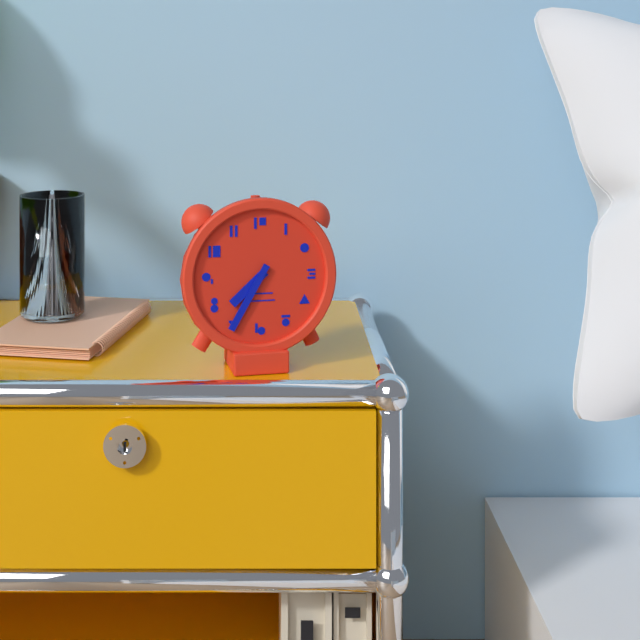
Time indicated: 7:35
